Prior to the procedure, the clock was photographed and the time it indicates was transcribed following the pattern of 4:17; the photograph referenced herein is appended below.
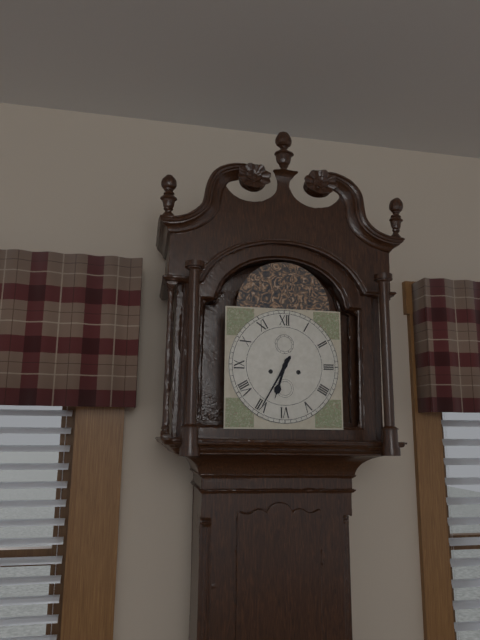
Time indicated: 6:35
